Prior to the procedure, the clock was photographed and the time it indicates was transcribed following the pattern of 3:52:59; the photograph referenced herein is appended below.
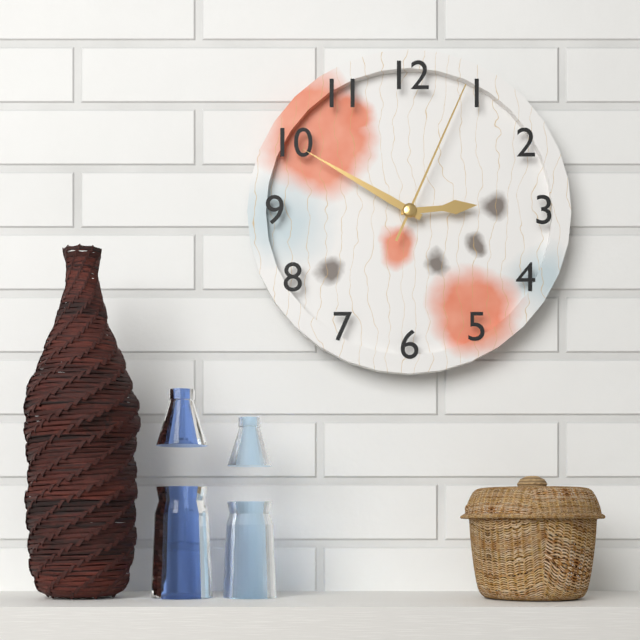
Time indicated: 2:50:04
